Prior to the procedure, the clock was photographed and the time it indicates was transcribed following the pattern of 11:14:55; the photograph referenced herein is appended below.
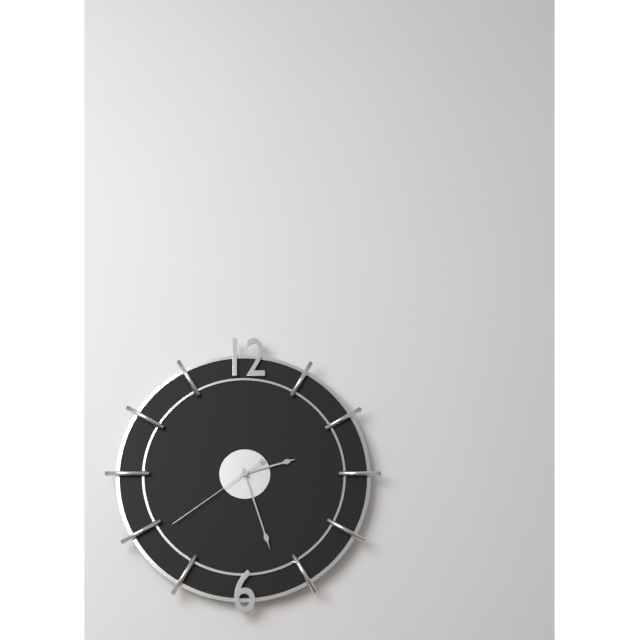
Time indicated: 2:27:39
